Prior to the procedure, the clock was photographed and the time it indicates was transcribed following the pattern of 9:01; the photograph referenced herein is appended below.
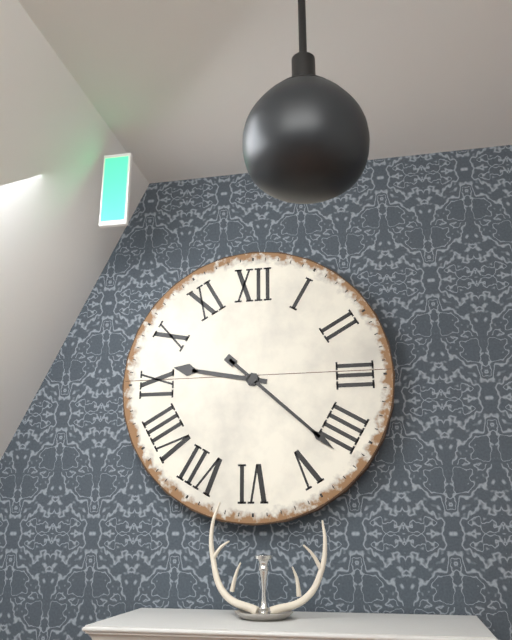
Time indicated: 9:22
